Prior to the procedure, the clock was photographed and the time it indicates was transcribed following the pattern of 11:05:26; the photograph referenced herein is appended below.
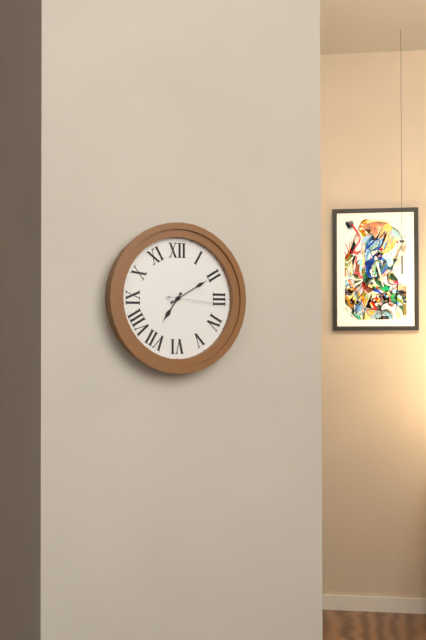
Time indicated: 7:10:16
